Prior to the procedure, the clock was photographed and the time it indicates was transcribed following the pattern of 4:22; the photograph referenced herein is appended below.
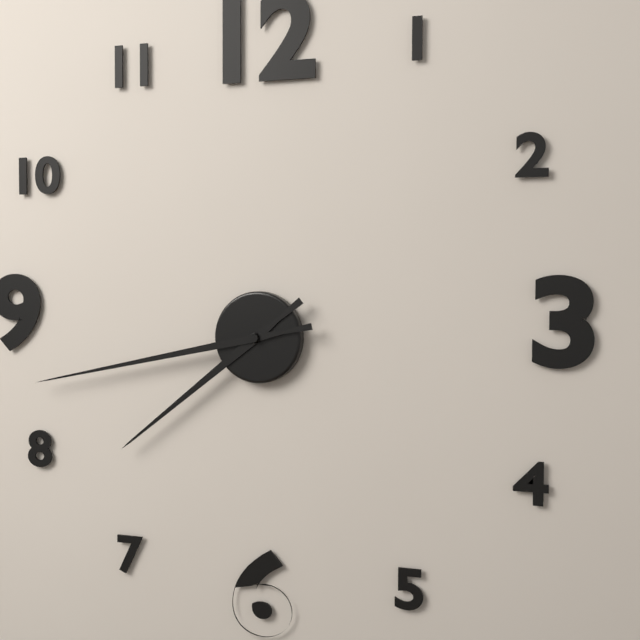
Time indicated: 7:43
